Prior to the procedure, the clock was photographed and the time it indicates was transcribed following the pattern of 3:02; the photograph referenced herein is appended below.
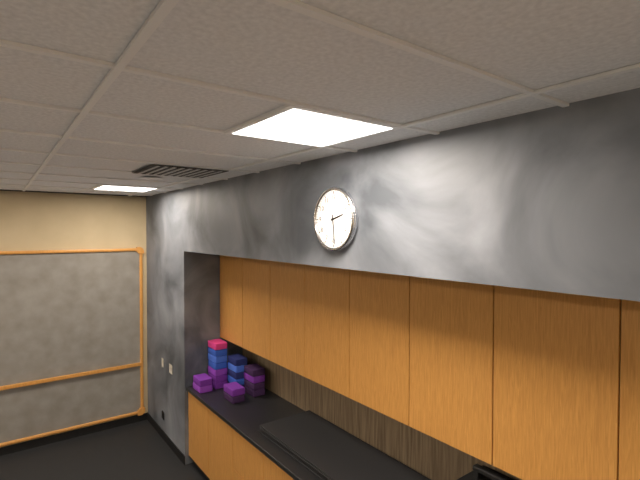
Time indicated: 2:29
